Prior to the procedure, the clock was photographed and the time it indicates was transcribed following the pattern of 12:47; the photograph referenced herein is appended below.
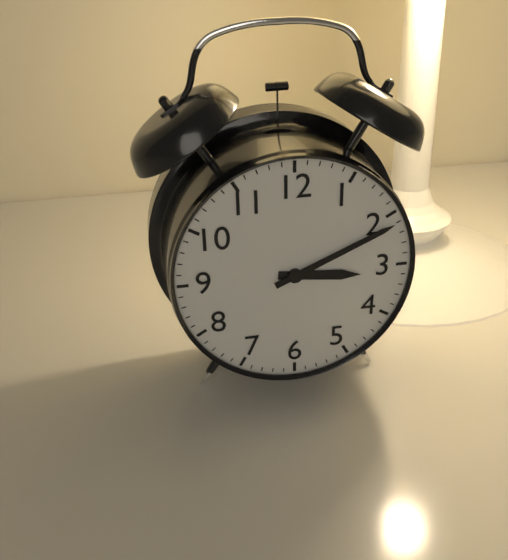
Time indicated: 3:11
